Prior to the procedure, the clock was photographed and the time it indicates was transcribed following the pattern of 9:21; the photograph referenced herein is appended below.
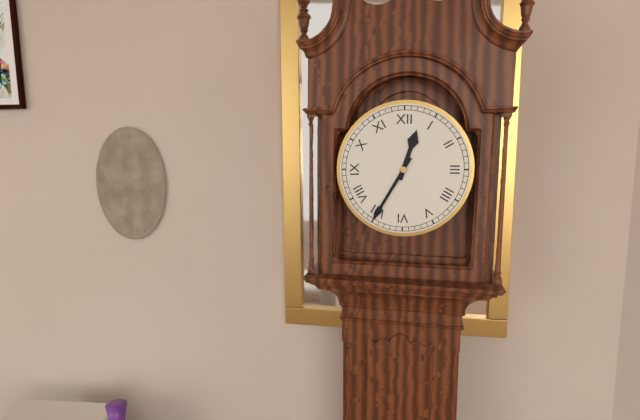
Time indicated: 12:35
